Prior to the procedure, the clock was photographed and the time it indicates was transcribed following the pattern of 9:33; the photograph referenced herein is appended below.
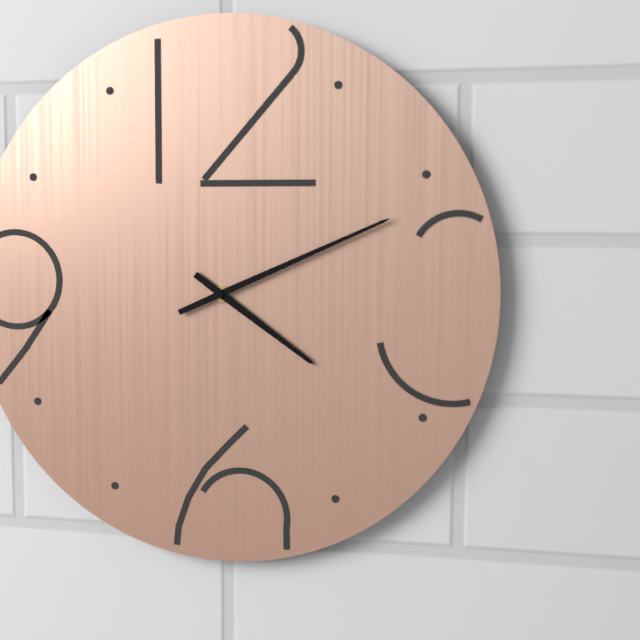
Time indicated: 4:11
